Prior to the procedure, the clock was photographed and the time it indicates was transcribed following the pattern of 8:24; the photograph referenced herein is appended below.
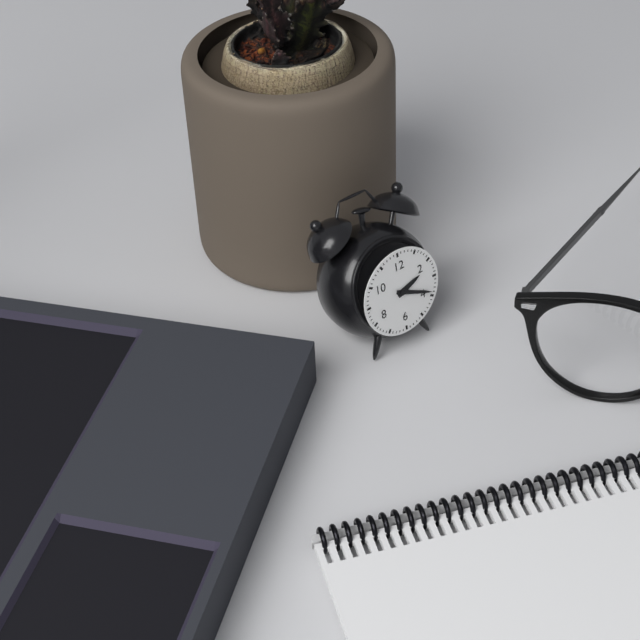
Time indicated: 2:19
